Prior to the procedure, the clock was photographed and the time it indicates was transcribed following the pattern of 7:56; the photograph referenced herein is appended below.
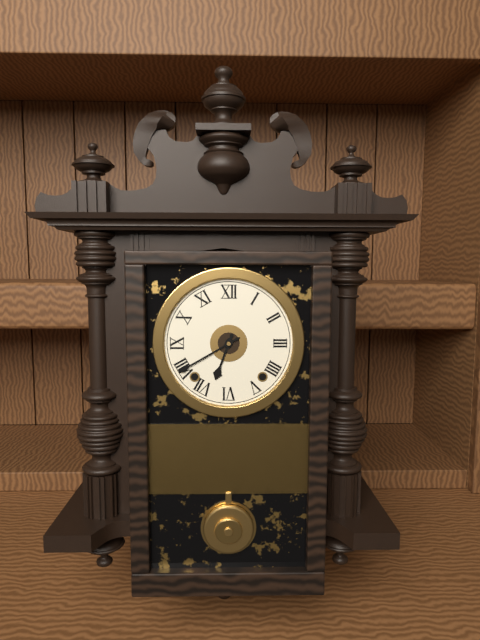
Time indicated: 6:40
